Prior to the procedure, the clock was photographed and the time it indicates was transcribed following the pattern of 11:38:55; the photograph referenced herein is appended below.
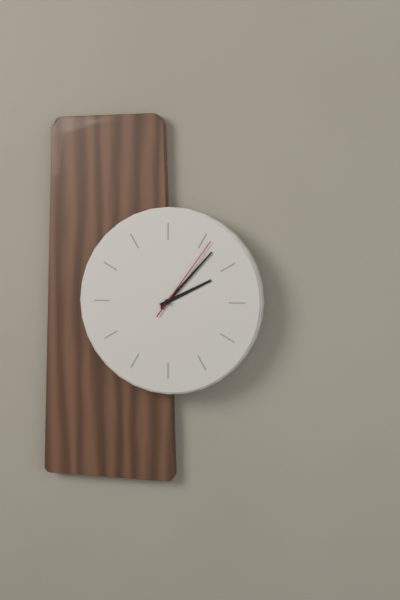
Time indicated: 2:07:06
